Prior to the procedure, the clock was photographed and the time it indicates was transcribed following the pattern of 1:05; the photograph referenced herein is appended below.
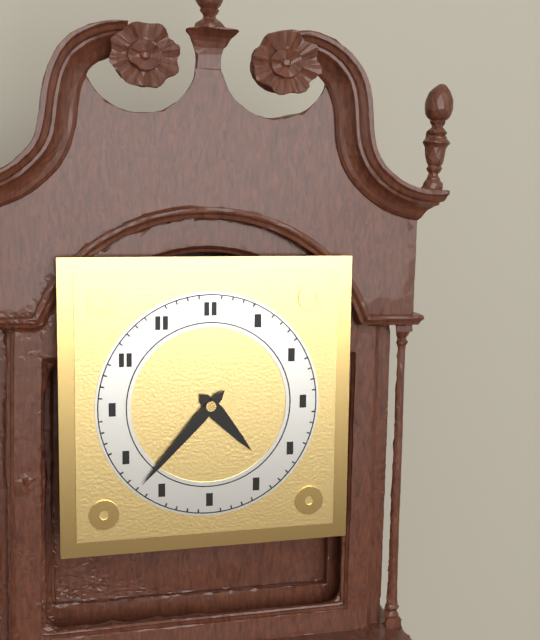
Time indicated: 4:37
